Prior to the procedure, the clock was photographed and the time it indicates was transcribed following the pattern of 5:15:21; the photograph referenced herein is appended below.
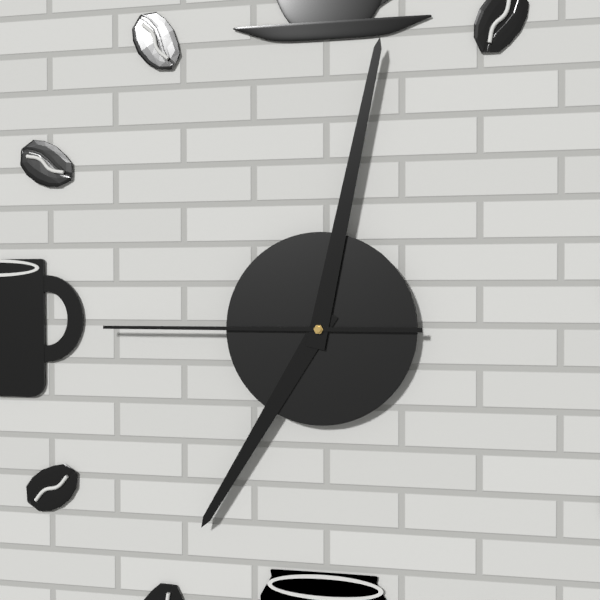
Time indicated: 7:02:45
